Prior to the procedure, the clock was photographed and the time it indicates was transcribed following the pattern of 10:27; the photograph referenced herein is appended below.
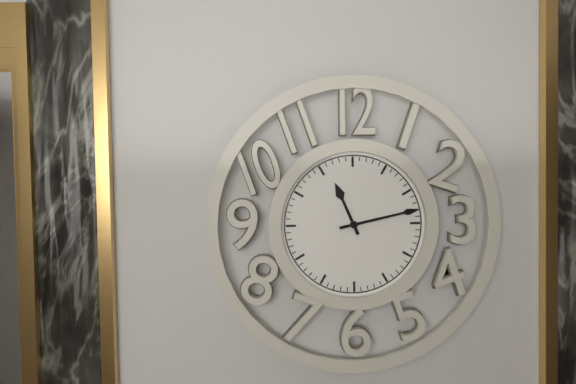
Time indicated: 11:13
